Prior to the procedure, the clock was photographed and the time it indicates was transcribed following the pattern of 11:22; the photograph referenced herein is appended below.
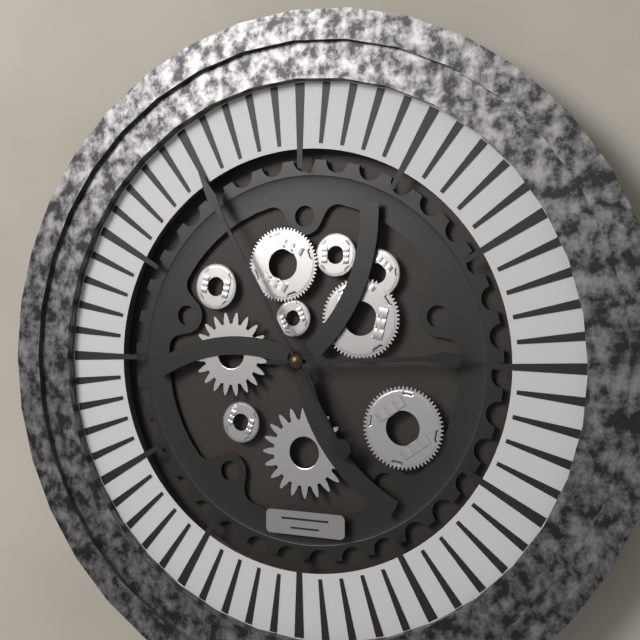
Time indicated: 2:55
